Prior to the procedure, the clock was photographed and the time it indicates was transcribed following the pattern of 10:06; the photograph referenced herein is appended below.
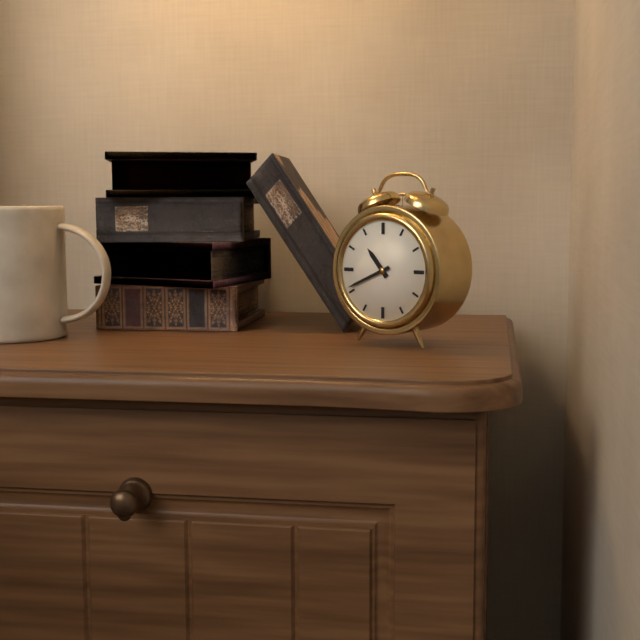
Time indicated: 10:41
